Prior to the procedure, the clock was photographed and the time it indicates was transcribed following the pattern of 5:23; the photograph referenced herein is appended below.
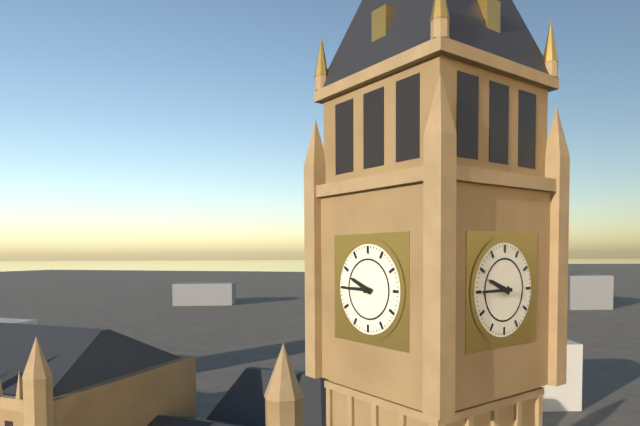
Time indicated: 9:45
